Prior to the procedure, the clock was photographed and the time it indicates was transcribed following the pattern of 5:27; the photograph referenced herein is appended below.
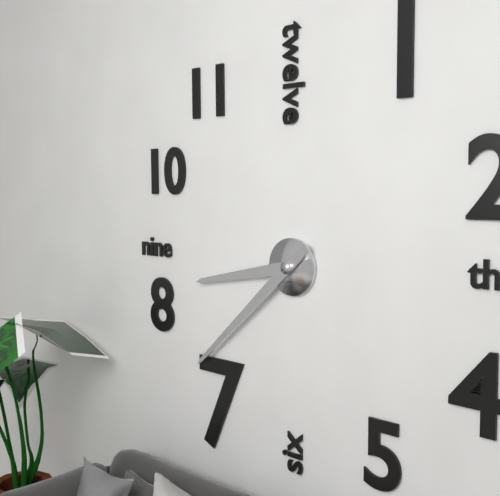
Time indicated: 8:38
